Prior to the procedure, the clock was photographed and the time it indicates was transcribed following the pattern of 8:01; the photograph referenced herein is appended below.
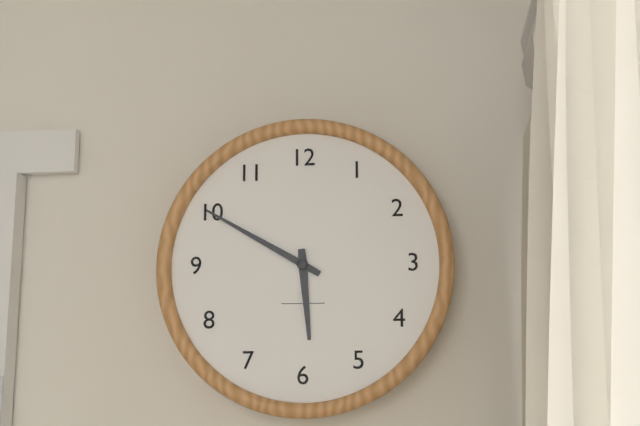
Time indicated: 5:50
